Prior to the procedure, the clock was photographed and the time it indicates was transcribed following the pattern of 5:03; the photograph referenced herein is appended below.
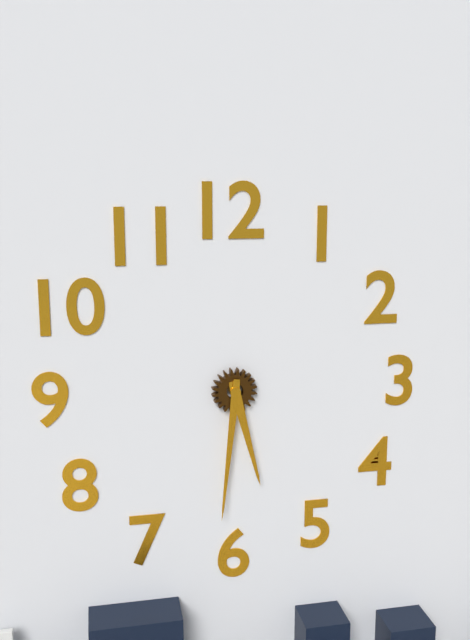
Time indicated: 5:31
